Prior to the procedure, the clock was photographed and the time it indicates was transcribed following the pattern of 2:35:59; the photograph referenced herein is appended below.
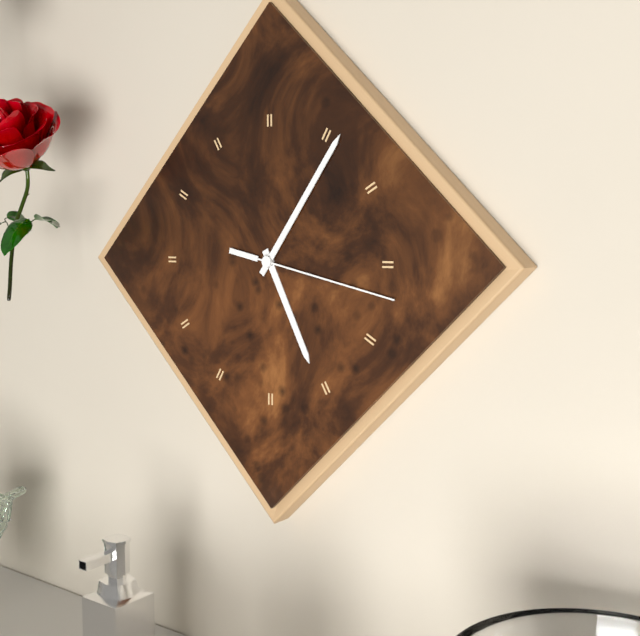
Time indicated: 5:06:17
